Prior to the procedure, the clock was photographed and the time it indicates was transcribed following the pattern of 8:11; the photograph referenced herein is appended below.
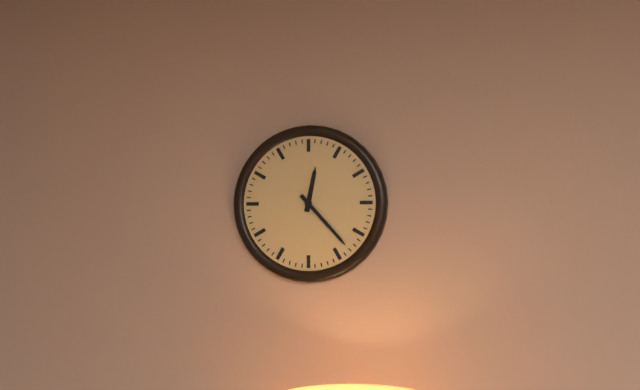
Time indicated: 12:23
